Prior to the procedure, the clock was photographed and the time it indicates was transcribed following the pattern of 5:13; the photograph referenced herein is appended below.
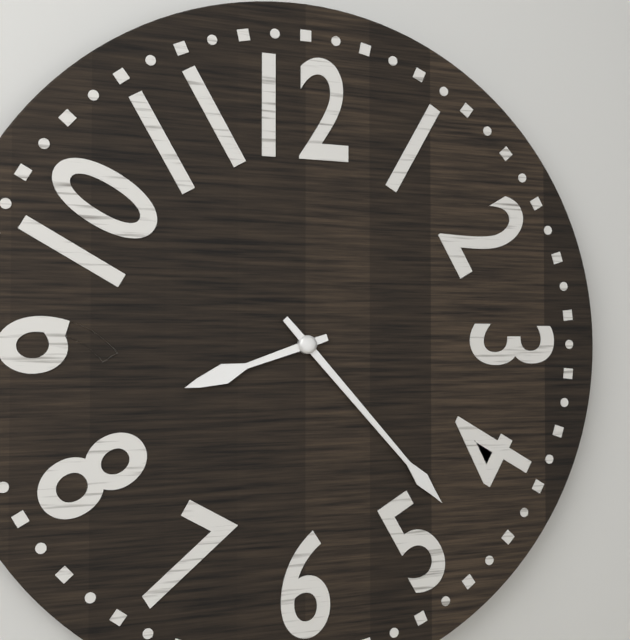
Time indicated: 8:23
